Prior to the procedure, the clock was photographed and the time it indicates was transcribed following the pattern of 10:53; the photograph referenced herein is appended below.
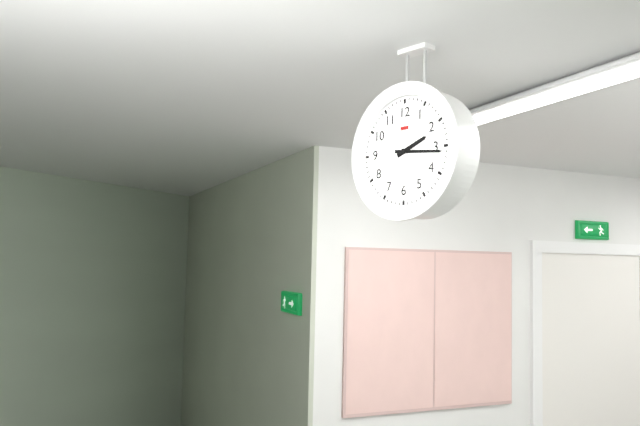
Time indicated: 2:16
